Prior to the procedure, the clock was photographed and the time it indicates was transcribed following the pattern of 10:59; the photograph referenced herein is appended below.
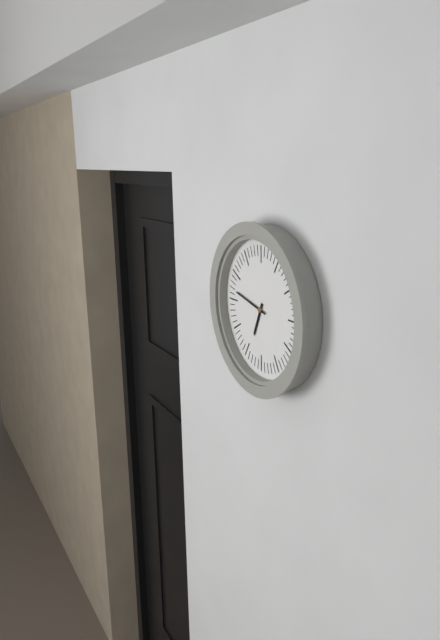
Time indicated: 6:47
